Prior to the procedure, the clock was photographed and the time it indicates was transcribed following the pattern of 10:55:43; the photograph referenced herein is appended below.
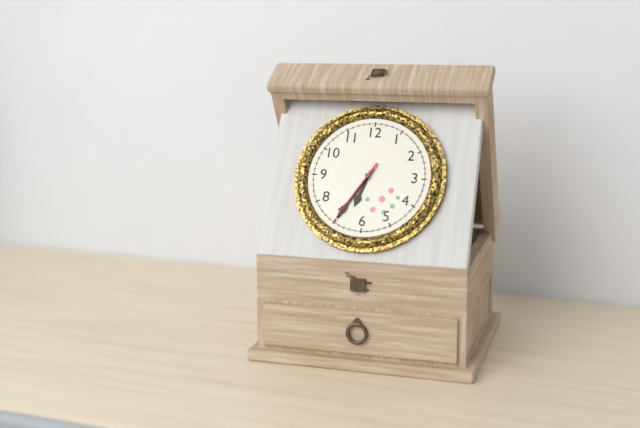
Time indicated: 6:35:35
